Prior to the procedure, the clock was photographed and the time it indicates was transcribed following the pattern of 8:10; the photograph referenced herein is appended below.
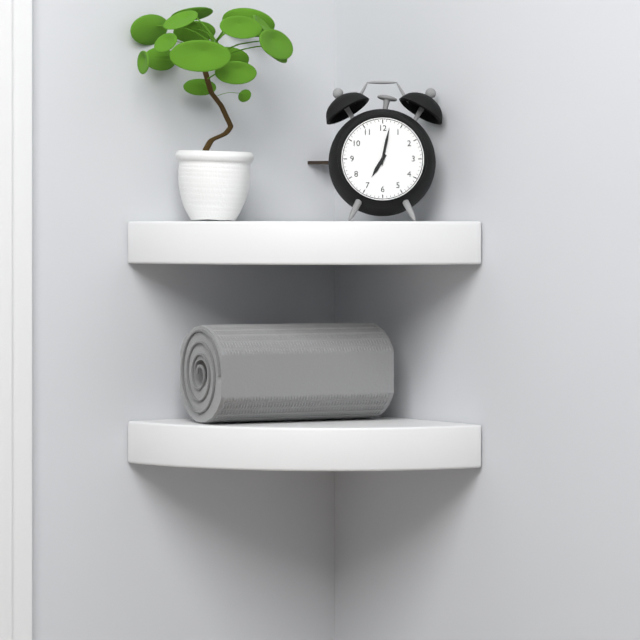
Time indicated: 7:02
